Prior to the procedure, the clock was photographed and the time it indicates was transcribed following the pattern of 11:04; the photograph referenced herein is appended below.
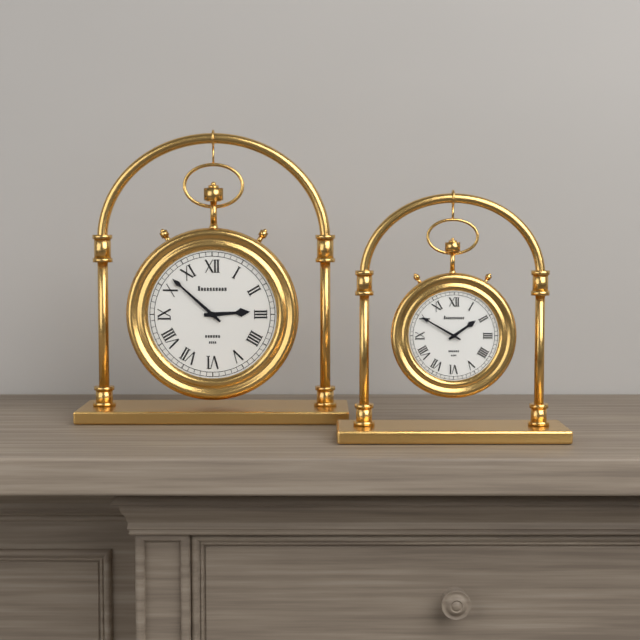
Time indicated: 2:52
